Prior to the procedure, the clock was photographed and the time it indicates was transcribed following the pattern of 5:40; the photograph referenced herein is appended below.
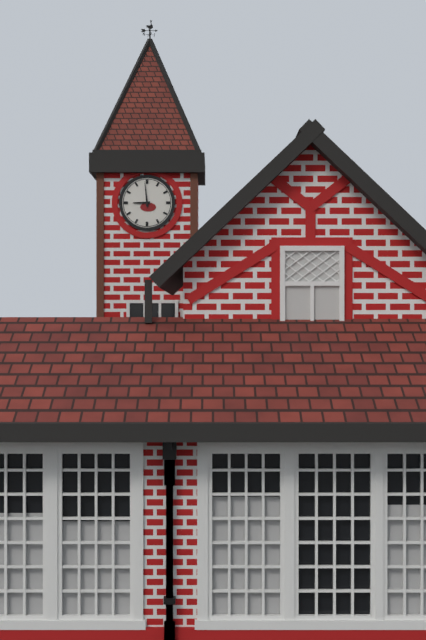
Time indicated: 8:59
